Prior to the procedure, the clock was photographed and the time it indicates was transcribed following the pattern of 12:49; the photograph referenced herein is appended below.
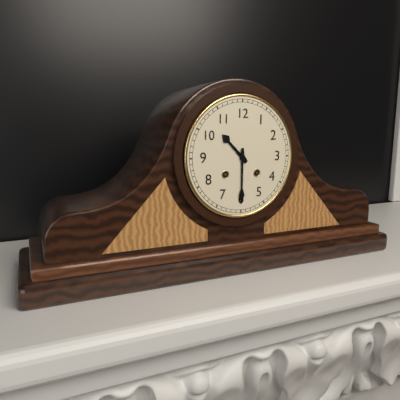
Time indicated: 10:30
